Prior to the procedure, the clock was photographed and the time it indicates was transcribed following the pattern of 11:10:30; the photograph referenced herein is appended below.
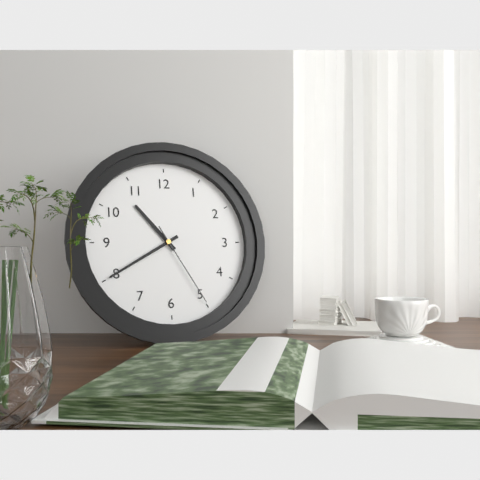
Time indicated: 10:40:25
